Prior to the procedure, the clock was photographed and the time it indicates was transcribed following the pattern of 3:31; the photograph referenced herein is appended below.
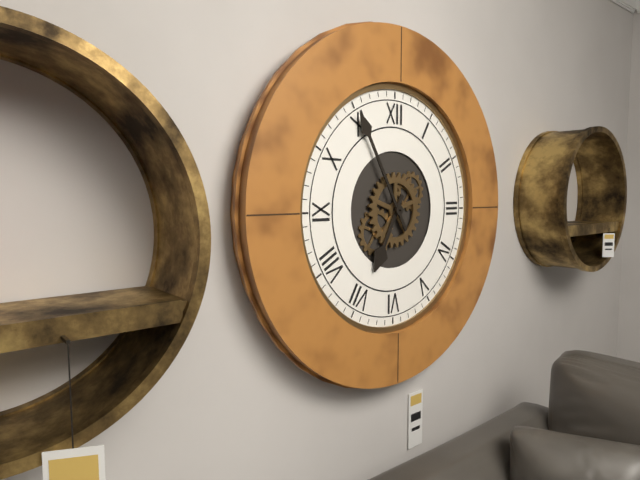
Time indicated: 6:55
